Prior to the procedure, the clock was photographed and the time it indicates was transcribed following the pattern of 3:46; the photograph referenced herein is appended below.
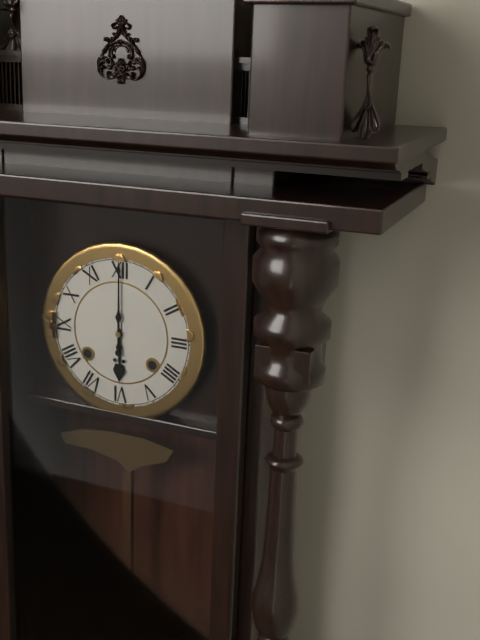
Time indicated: 6:00
